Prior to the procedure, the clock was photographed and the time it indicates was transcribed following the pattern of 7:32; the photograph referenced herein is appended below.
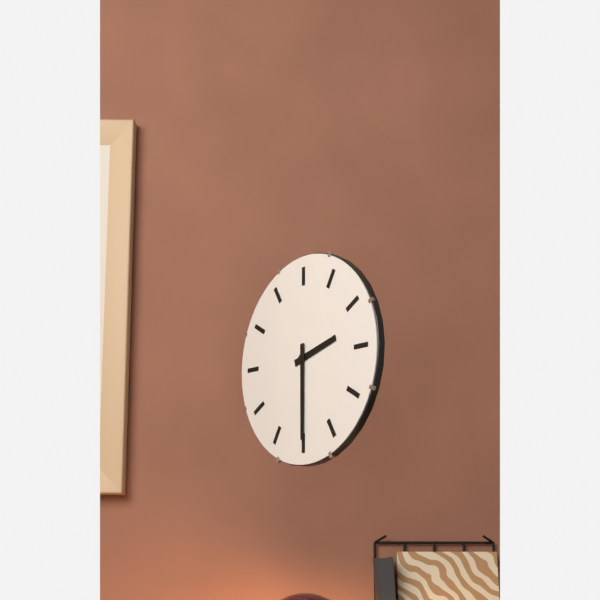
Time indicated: 2:30
